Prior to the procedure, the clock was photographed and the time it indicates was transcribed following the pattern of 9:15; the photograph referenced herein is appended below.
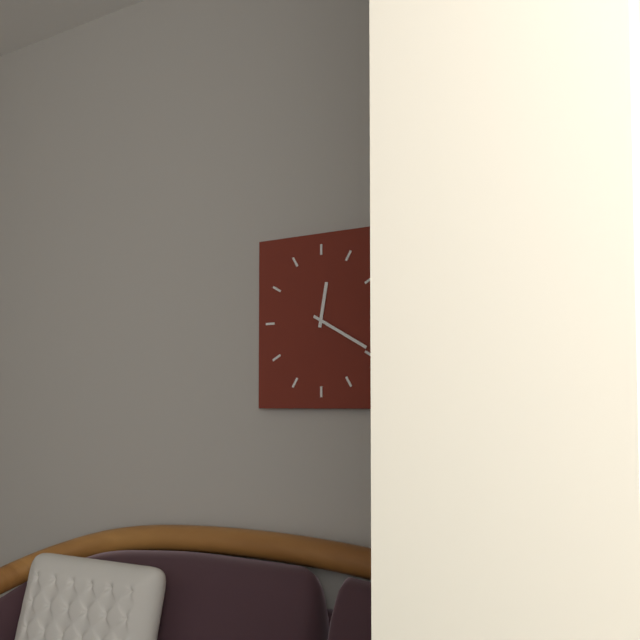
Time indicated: 12:20
